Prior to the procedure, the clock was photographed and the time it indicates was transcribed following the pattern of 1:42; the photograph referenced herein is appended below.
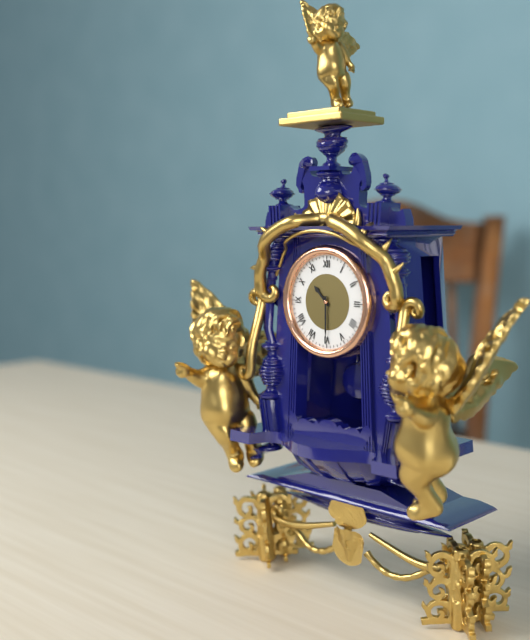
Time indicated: 10:30
